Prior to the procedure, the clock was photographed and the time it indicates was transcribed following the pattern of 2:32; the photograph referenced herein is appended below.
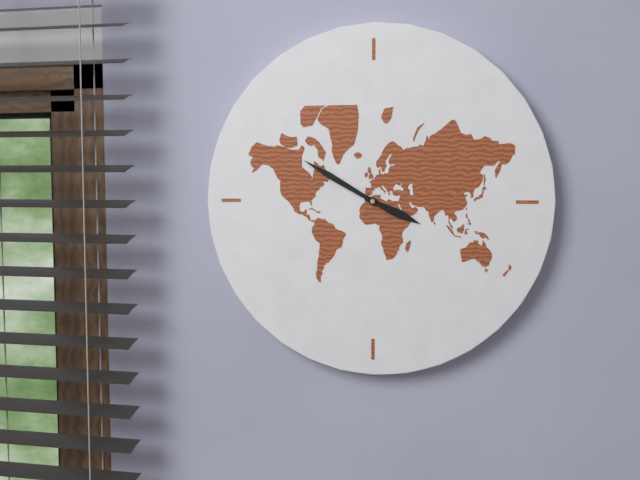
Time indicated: 3:50
